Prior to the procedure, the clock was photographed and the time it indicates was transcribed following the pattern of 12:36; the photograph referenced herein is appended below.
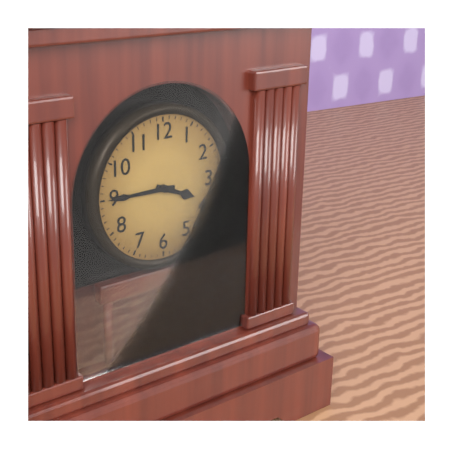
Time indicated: 3:45
